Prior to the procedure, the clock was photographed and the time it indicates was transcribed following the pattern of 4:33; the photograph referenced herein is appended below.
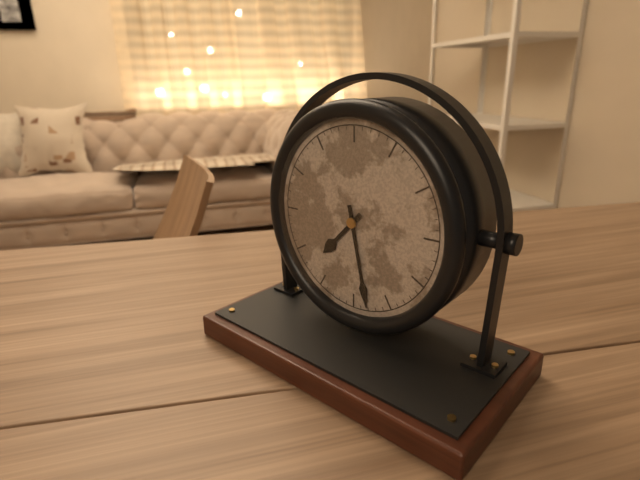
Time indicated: 7:28
